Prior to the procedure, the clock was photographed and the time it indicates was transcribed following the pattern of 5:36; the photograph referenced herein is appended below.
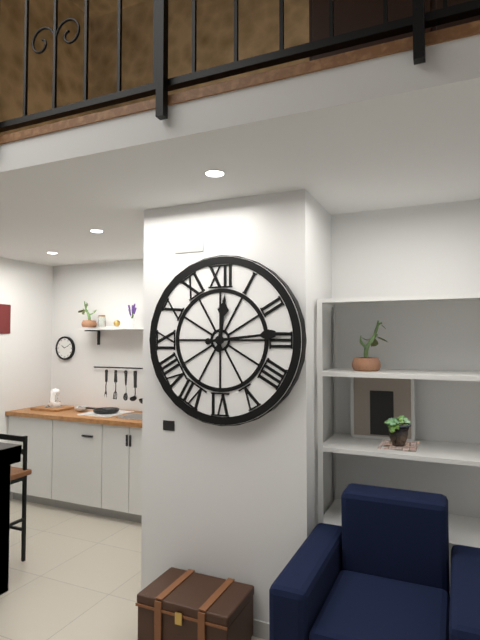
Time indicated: 12:14
